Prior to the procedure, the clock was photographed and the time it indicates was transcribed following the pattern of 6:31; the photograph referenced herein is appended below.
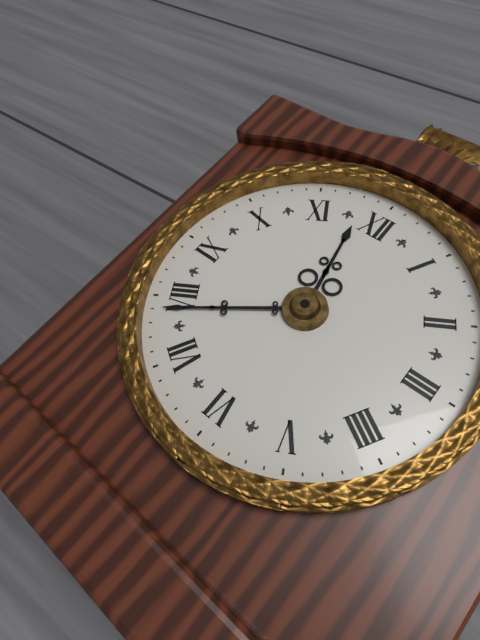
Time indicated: 11:39
